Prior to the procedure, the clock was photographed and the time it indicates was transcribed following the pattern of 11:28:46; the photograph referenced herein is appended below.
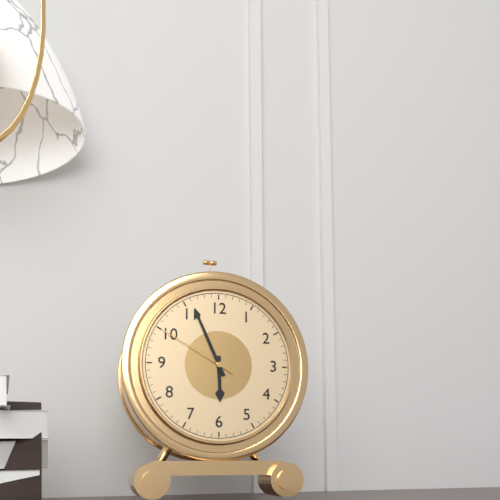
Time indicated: 5:56:50
